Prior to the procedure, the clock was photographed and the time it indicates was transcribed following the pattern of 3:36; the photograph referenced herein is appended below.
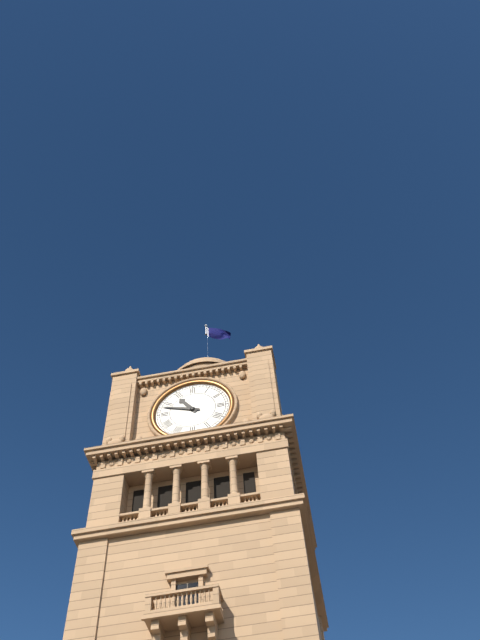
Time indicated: 10:48
